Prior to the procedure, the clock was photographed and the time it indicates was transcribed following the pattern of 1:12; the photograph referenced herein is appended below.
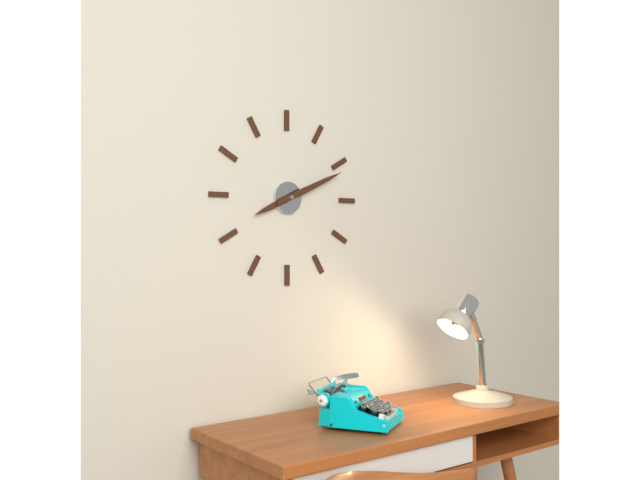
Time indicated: 8:11
